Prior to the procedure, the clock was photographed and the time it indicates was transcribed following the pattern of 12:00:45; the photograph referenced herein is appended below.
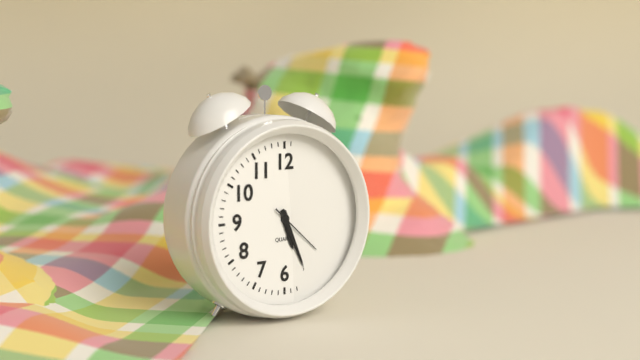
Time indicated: 5:26:22
